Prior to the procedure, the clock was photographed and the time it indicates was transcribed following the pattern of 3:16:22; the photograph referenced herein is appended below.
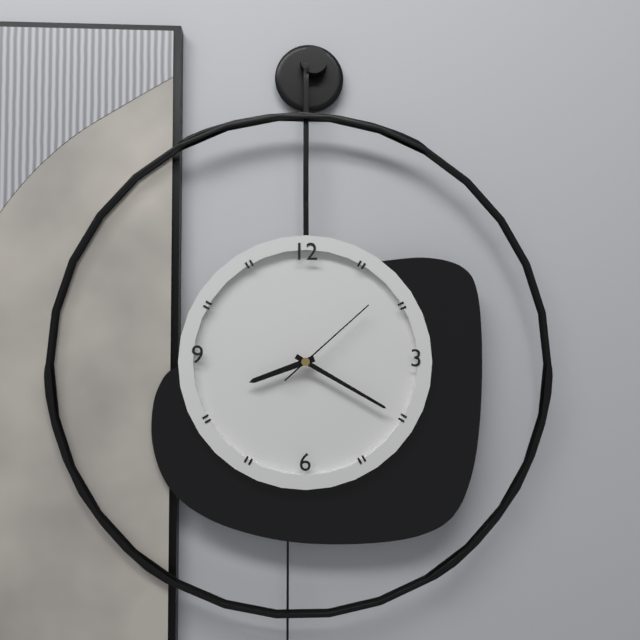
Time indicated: 8:20:08
